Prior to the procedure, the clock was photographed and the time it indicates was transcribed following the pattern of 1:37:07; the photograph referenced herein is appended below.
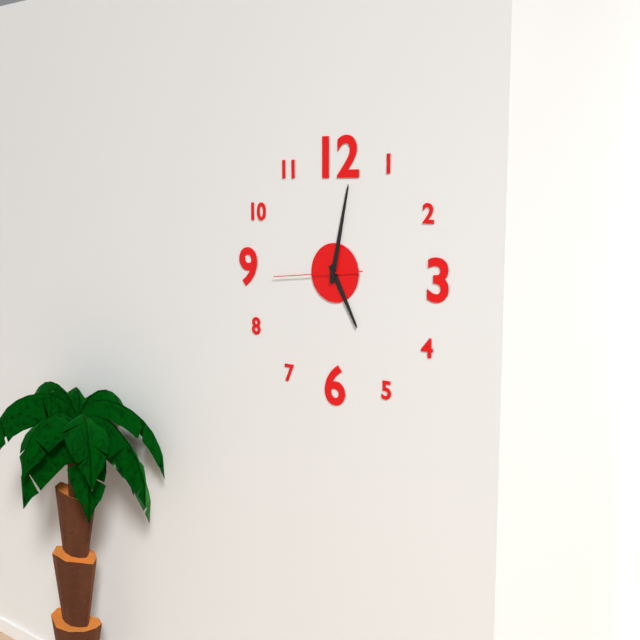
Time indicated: 5:02:44
